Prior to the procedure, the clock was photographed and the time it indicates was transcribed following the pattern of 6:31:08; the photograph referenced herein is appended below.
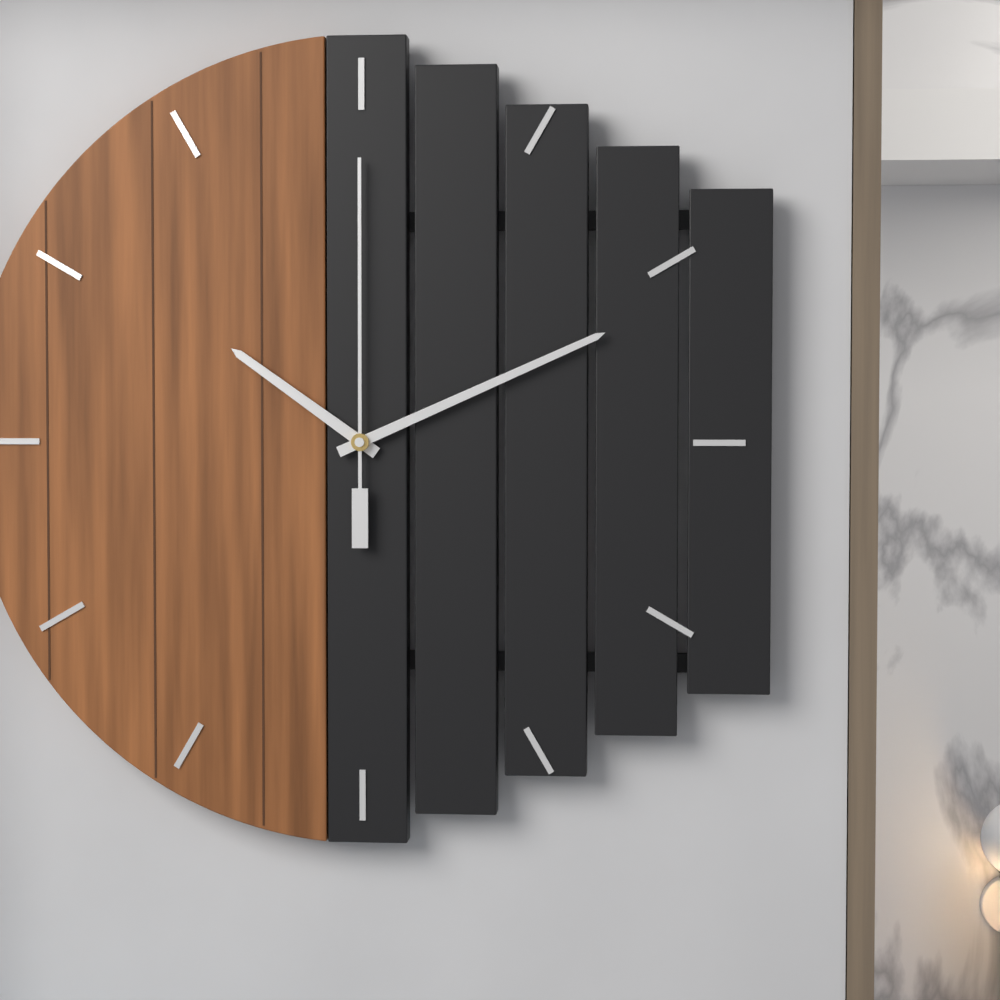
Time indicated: 10:11:00
